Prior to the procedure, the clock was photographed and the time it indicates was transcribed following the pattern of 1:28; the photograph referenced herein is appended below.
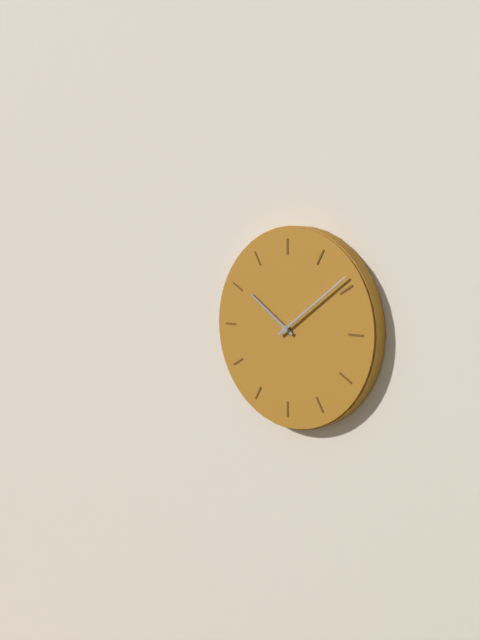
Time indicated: 10:09
